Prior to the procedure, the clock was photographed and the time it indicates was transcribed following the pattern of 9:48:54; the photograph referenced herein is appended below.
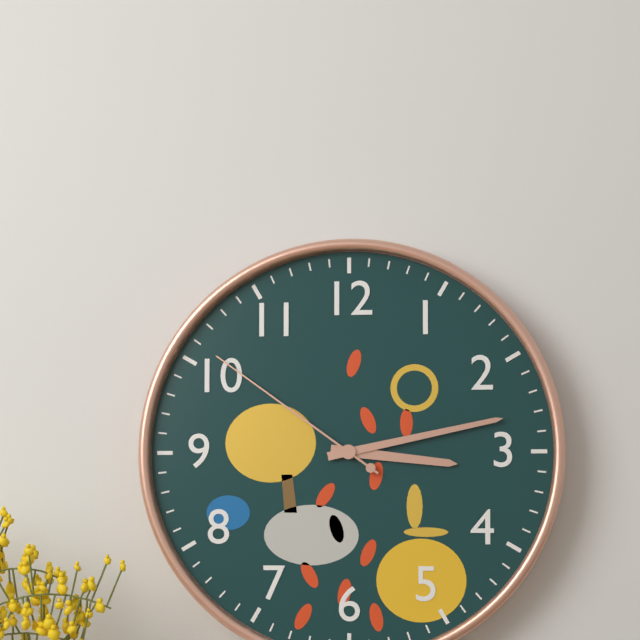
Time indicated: 3:13:51
